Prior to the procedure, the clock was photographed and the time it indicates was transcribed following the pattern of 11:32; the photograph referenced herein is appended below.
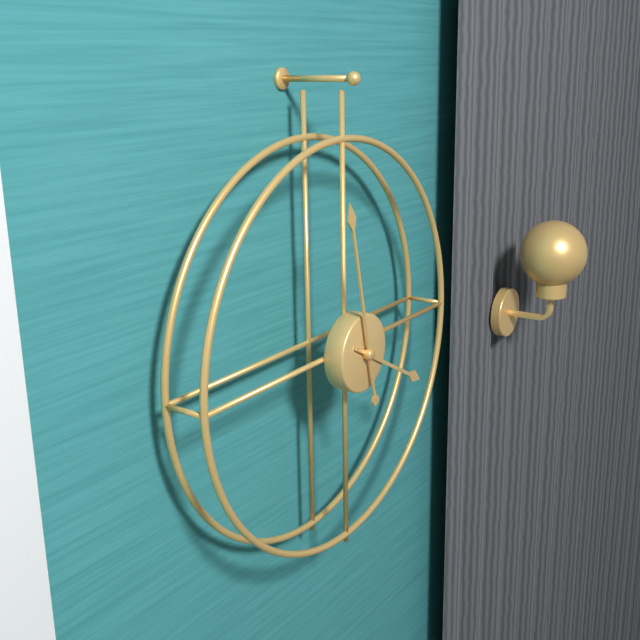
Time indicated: 3:58
